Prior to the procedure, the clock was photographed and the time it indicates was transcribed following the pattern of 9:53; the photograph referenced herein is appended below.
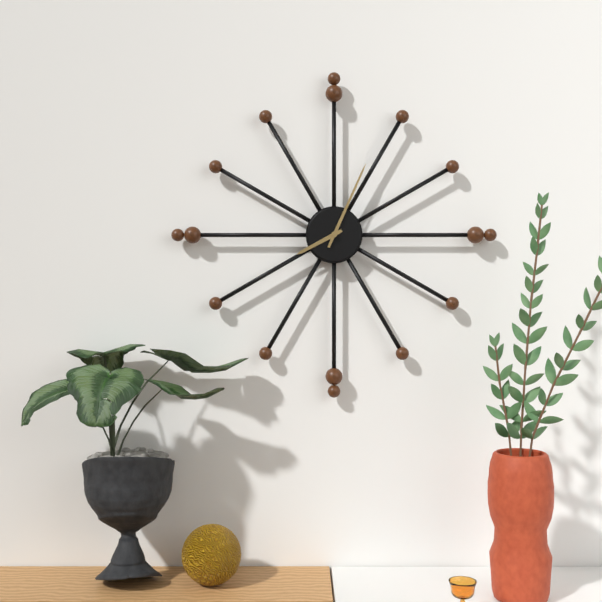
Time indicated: 8:04
